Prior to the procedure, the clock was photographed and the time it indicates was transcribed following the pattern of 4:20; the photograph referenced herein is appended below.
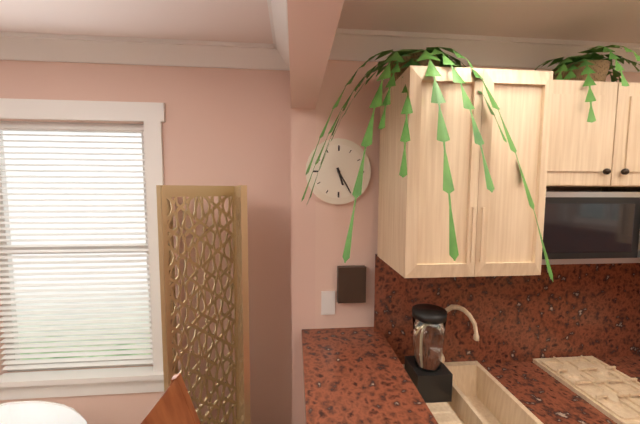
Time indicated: 5:25
